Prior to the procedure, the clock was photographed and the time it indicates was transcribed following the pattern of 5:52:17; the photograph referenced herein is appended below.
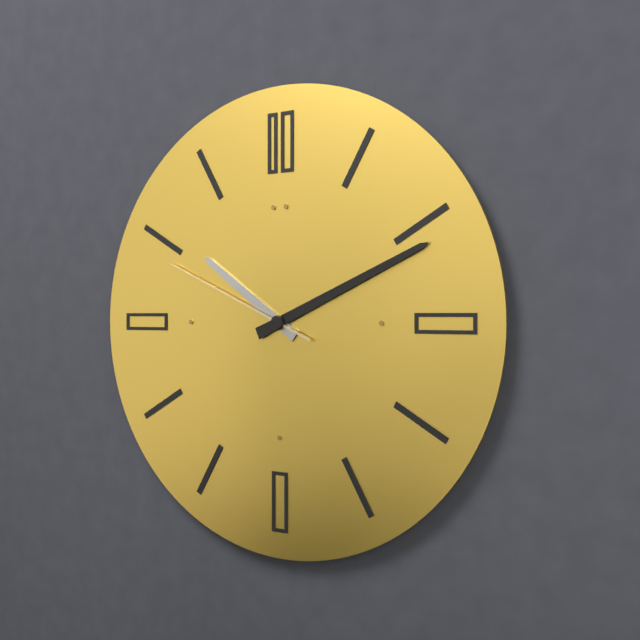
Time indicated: 10:11:49
